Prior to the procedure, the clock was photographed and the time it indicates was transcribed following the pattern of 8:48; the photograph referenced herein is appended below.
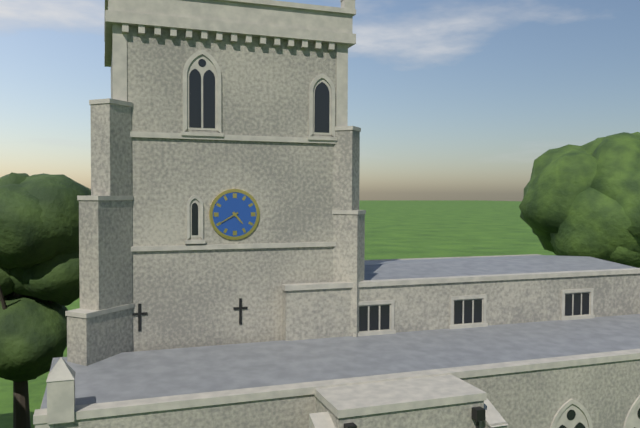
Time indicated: 4:40
